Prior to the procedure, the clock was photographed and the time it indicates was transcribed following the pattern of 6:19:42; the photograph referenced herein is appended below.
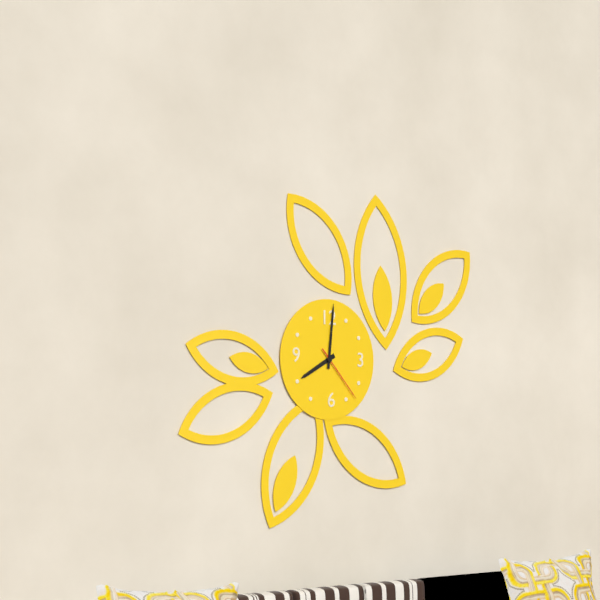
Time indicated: 8:01:23
